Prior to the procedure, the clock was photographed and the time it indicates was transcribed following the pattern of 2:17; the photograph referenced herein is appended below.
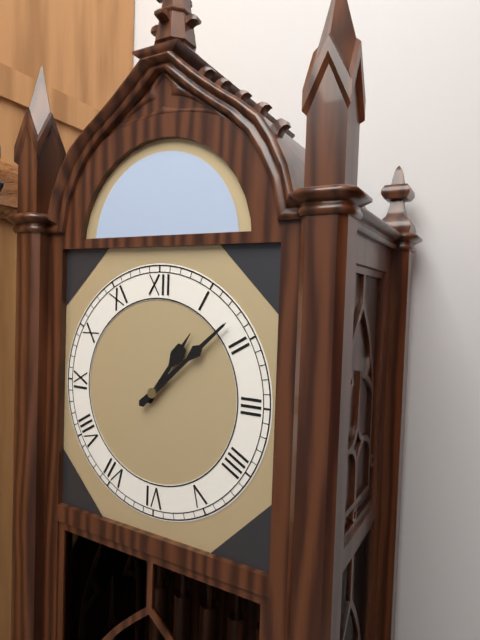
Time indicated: 1:08
